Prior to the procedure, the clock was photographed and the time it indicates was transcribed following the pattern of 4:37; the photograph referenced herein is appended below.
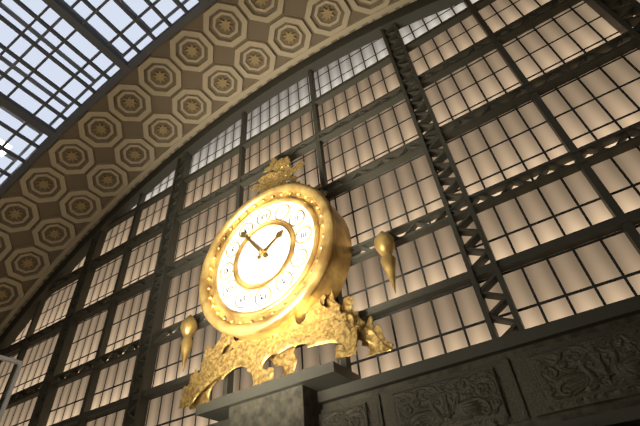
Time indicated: 1:54
